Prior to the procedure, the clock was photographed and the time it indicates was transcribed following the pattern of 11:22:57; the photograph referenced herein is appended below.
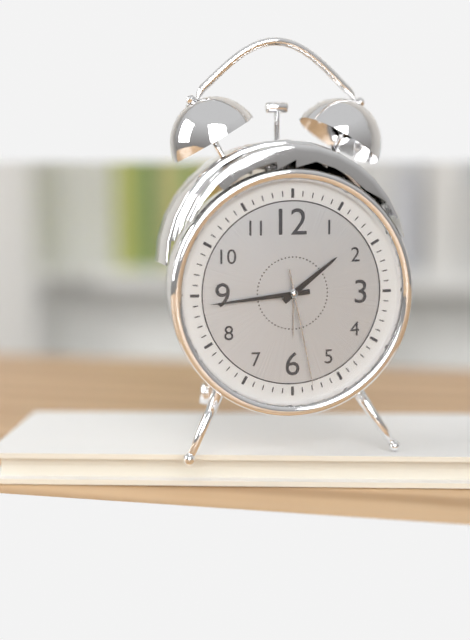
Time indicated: 1:44:28
